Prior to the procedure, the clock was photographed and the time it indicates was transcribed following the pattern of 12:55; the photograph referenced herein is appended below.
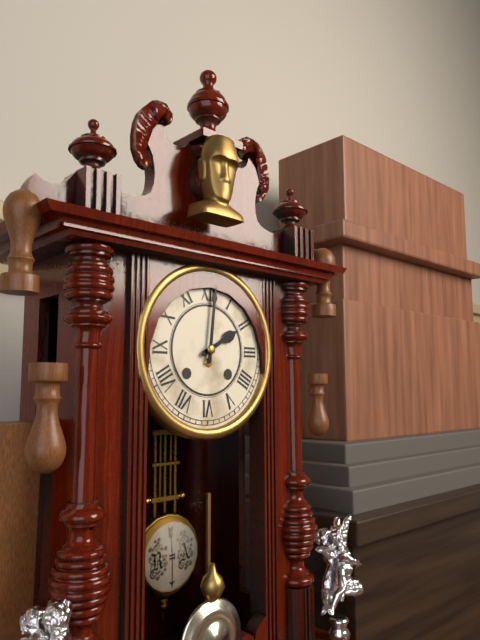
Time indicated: 2:01
